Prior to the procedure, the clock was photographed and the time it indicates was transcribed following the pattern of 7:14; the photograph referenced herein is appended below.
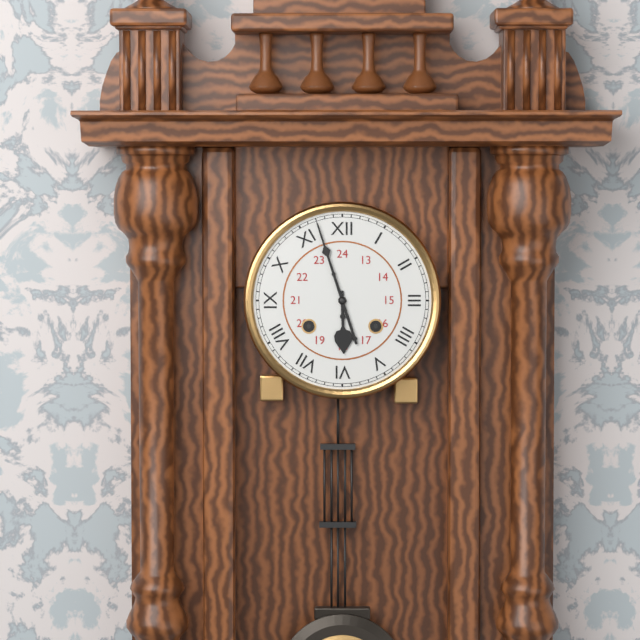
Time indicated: 5:57
